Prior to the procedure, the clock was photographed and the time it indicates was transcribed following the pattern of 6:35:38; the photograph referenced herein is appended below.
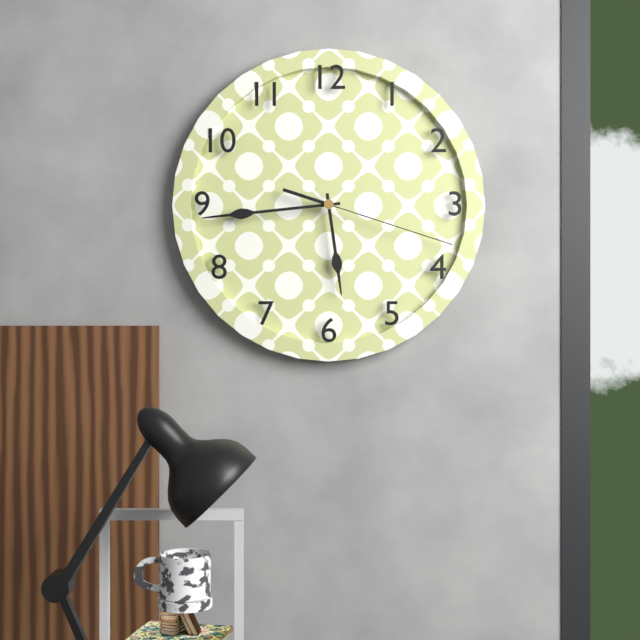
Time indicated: 5:44:18
